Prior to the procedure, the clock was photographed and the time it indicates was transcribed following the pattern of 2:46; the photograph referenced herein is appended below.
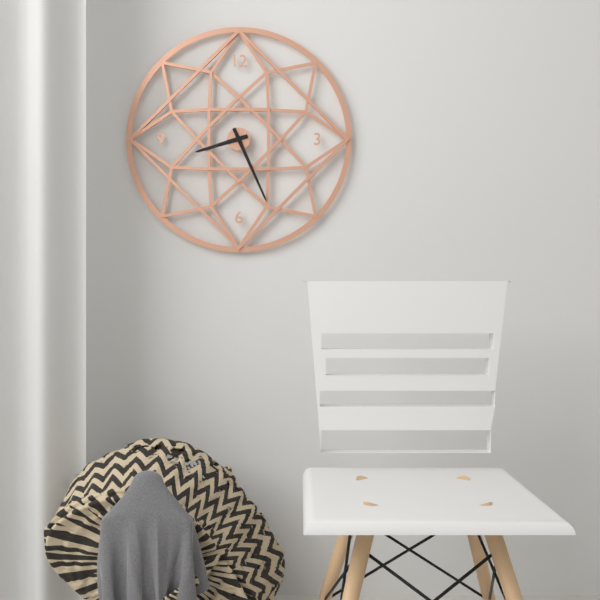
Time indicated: 8:26
